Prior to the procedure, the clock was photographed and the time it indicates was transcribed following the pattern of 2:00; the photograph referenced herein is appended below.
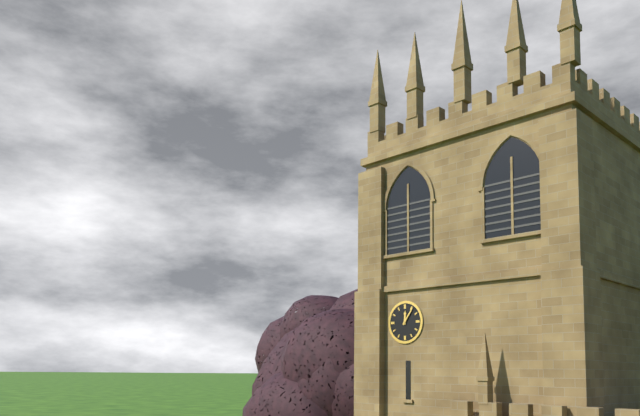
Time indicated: 12:06
